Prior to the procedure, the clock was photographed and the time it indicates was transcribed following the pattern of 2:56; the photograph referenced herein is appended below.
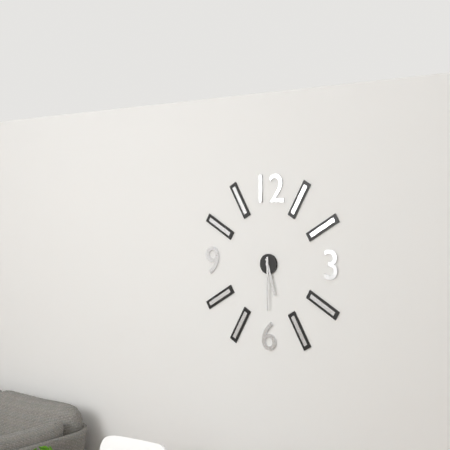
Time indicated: 5:30
